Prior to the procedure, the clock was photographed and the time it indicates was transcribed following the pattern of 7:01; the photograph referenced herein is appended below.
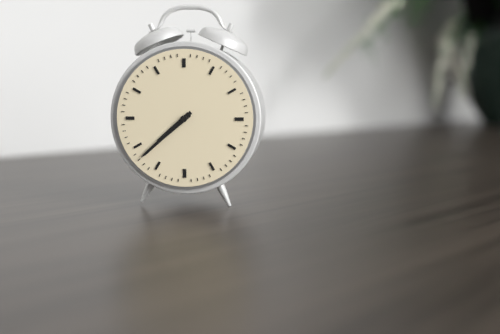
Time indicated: 7:38
